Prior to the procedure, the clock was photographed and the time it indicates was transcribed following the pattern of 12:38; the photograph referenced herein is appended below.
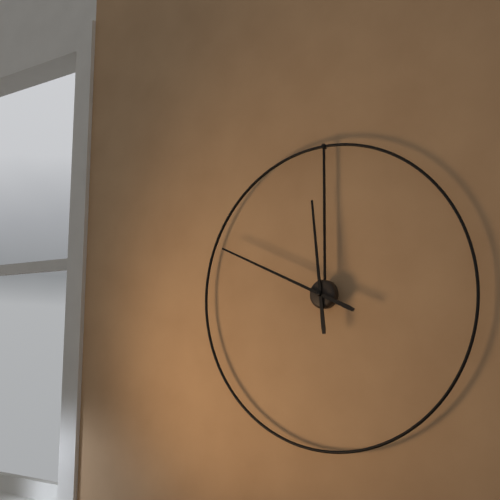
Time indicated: 11:49
